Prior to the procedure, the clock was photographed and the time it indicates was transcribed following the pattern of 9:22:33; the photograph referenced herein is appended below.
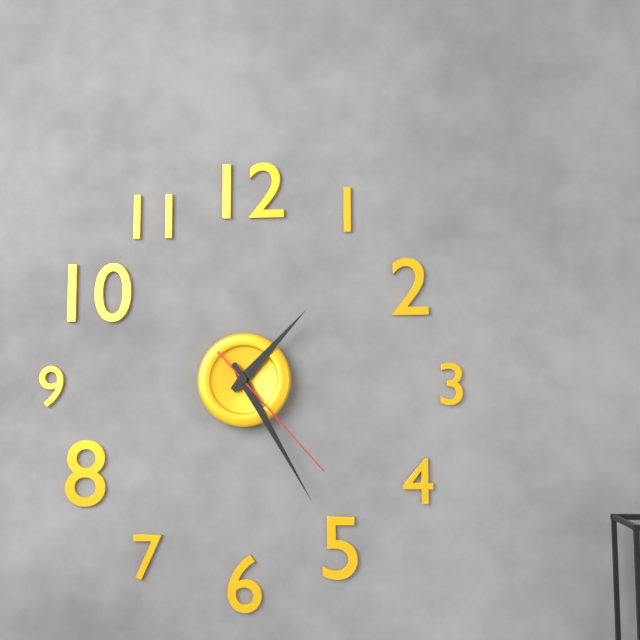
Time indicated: 1:25:23
